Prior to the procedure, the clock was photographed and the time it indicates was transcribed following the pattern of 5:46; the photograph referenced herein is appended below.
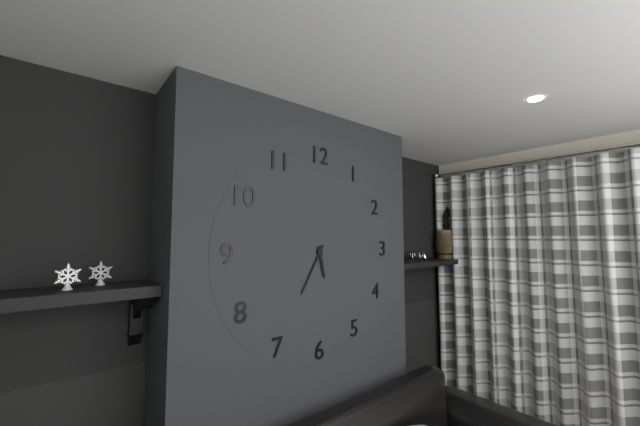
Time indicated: 5:35
